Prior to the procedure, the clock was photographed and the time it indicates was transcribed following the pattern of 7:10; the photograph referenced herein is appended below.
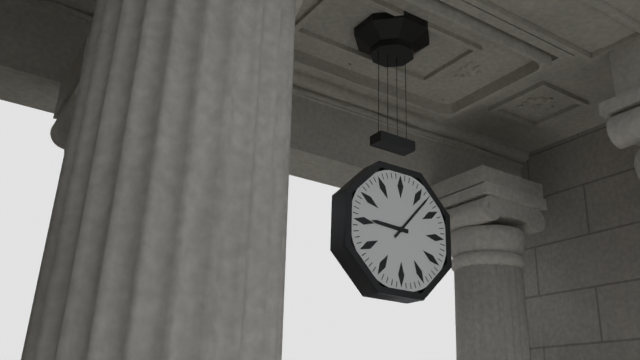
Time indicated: 9:07
